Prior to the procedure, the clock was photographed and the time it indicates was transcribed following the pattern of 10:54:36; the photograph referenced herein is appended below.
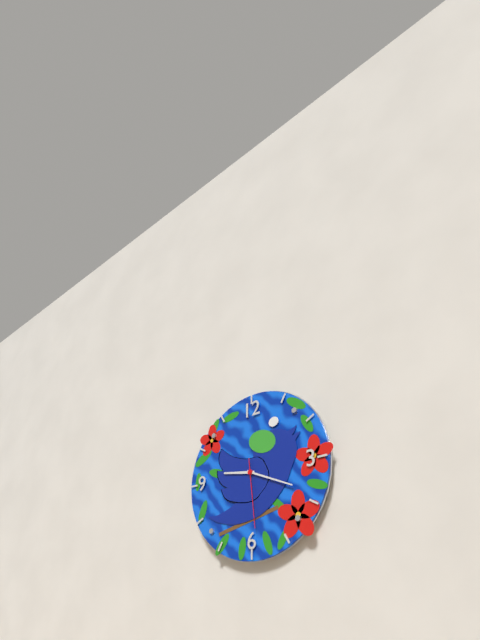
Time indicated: 9:19:29
